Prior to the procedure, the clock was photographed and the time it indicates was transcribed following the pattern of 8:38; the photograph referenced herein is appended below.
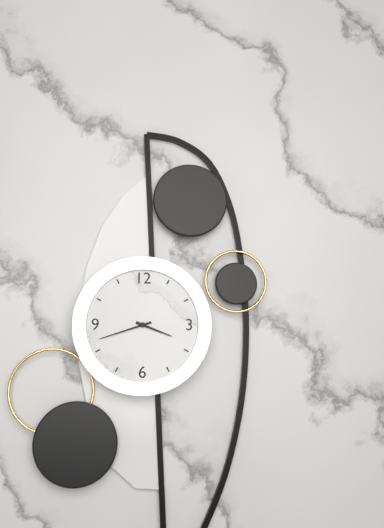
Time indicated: 3:42
